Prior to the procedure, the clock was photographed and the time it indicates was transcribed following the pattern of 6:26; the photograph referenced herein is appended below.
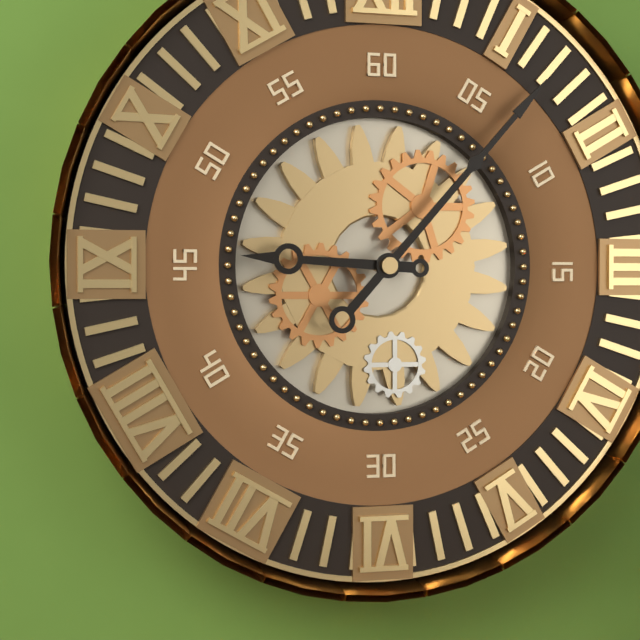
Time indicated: 9:07
